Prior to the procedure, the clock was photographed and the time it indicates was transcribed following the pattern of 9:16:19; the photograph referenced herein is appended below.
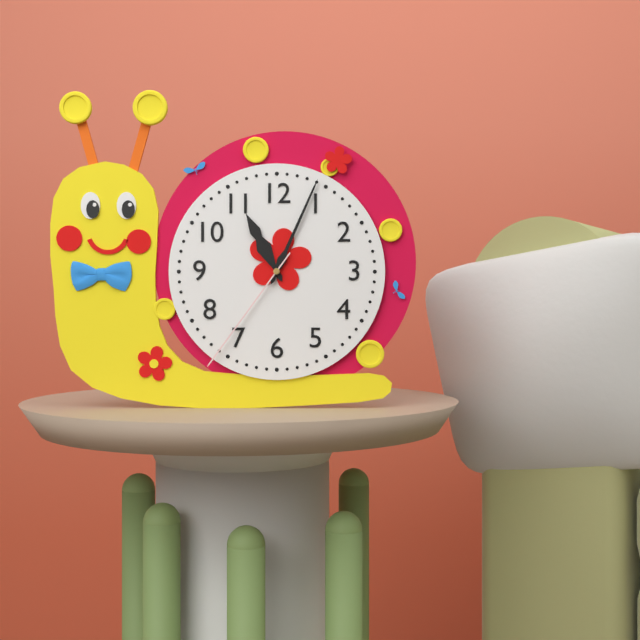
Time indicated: 11:04:36
